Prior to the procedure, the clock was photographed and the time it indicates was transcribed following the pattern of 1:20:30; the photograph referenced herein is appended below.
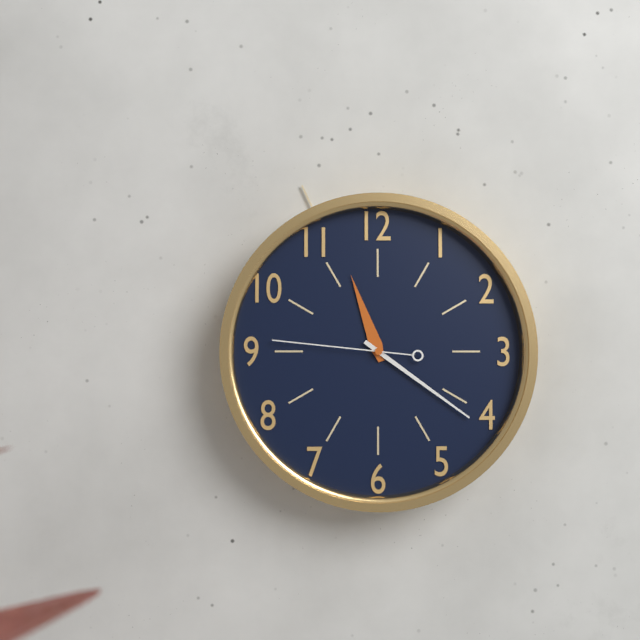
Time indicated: 11:21:46
